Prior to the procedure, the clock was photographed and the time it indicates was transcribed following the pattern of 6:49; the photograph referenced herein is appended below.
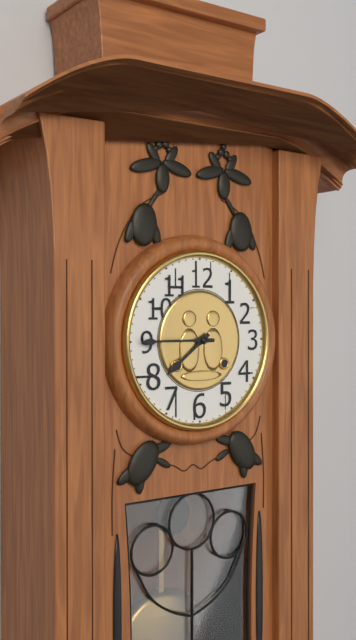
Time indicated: 7:45
